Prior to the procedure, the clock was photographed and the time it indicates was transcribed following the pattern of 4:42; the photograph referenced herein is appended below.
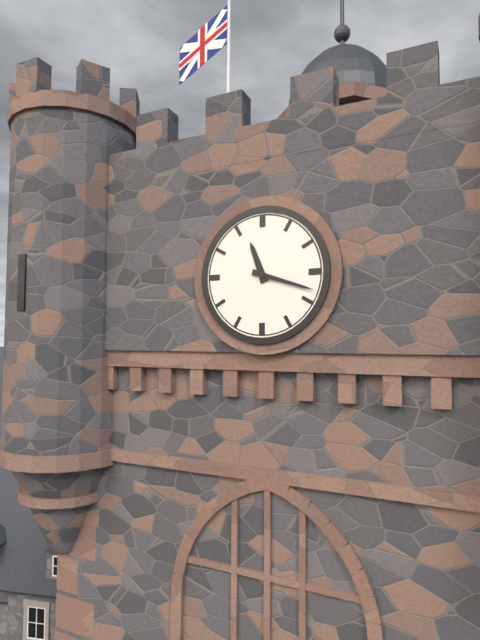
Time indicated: 11:18
